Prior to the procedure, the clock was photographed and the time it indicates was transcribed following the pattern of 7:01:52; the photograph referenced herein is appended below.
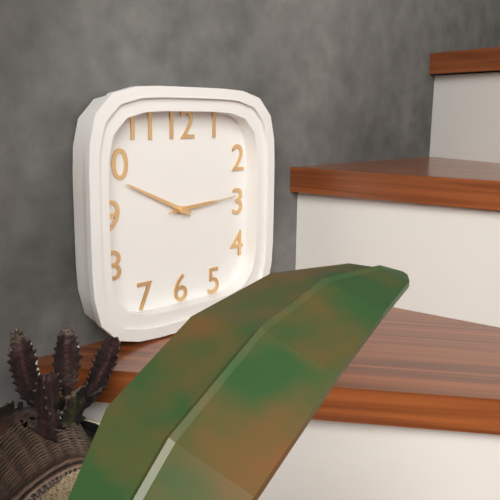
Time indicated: 2:49:14
